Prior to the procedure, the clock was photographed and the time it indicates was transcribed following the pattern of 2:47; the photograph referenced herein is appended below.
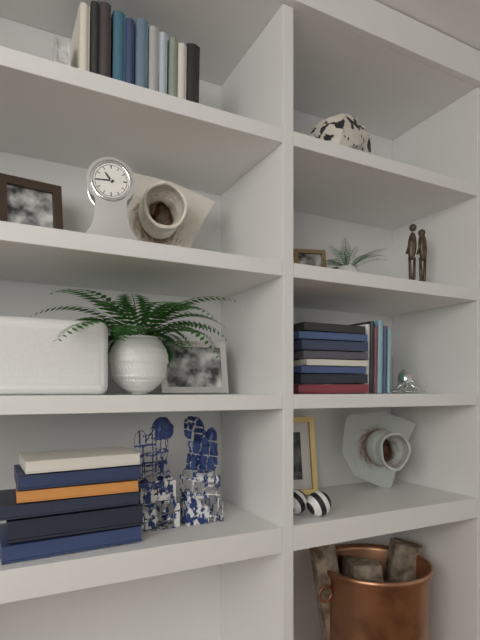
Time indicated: 10:45
